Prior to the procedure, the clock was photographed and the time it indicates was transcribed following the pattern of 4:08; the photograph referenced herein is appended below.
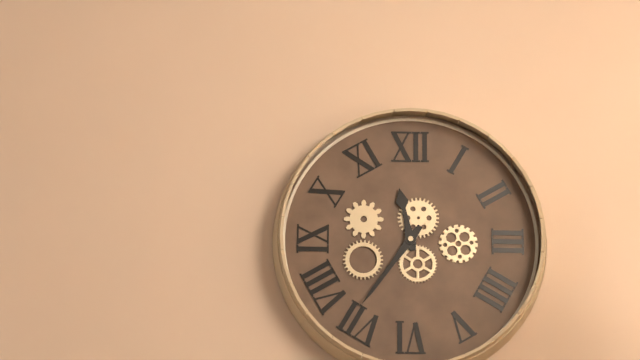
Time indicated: 11:36
